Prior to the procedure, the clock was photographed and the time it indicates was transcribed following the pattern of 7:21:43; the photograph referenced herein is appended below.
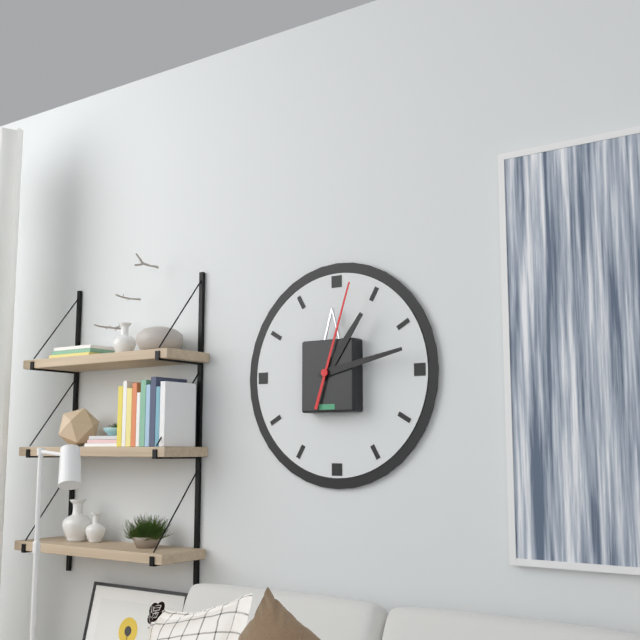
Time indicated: 1:13:03
